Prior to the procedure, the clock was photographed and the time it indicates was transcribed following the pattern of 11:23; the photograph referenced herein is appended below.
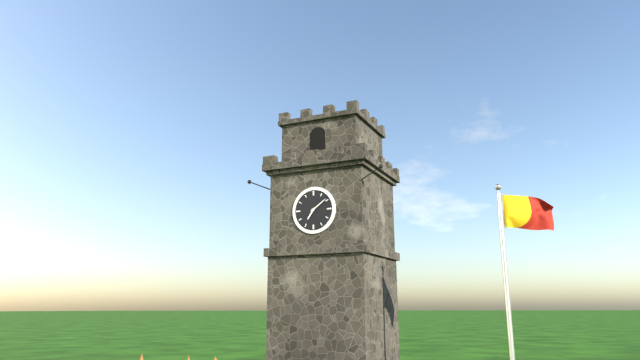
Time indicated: 7:09
